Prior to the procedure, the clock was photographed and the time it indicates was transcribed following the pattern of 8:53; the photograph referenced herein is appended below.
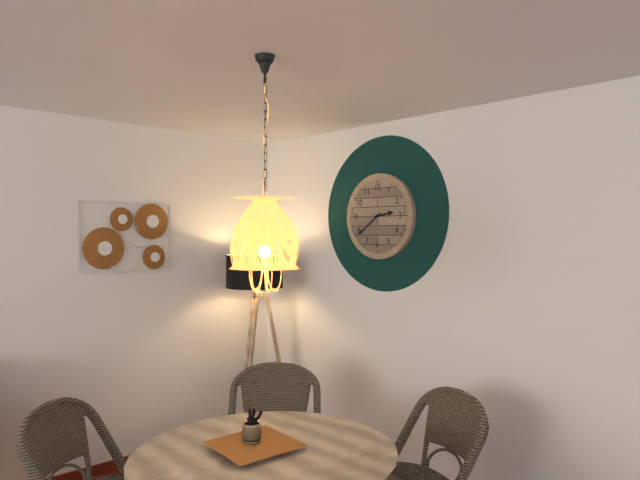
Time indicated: 2:39
